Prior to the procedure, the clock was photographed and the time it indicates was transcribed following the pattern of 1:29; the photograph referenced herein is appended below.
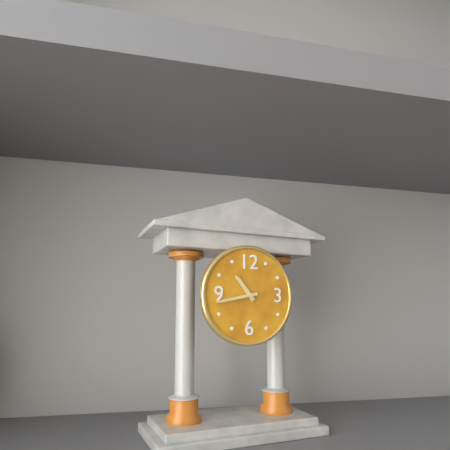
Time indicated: 10:43
